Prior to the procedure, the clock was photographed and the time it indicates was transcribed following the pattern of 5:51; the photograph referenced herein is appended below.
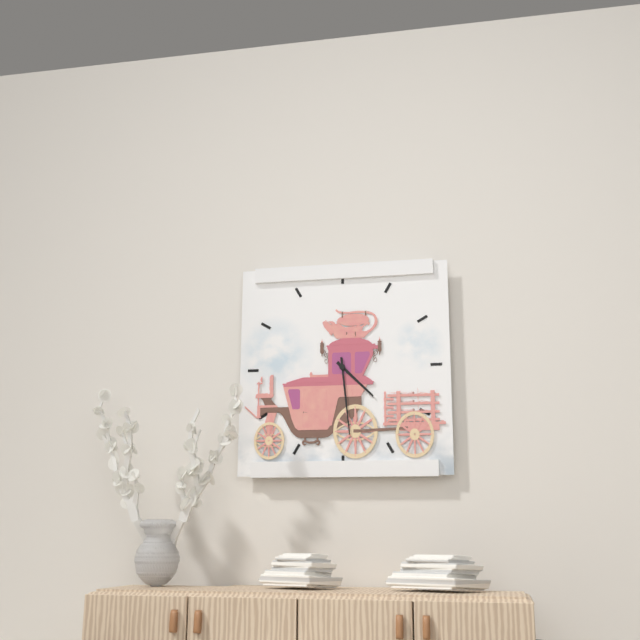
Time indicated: 4:29
